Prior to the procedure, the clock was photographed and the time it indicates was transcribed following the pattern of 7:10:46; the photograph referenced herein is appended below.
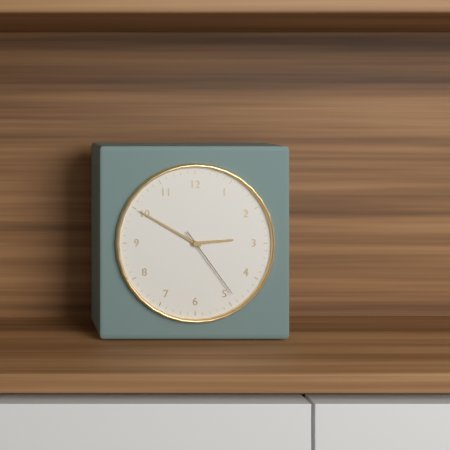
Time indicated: 2:50:24
